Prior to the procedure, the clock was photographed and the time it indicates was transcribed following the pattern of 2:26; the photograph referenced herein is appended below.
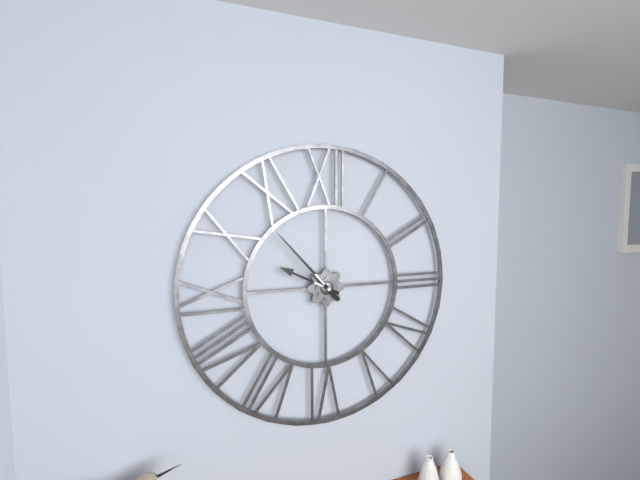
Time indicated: 9:53
